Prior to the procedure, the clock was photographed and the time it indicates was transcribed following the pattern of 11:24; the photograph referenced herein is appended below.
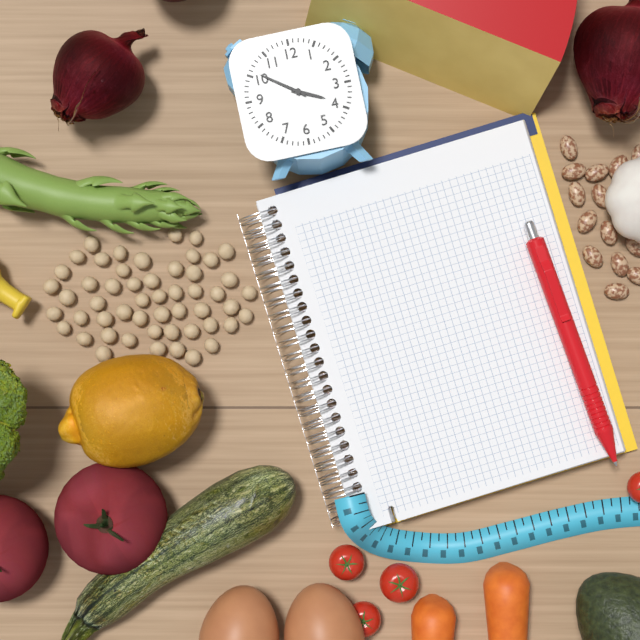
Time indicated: 3:51
